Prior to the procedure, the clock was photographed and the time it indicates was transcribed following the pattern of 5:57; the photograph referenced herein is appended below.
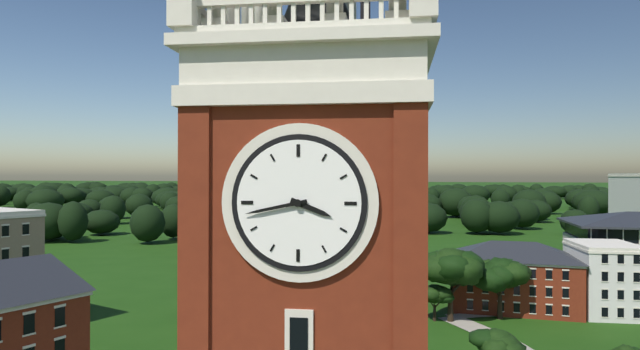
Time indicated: 3:43
